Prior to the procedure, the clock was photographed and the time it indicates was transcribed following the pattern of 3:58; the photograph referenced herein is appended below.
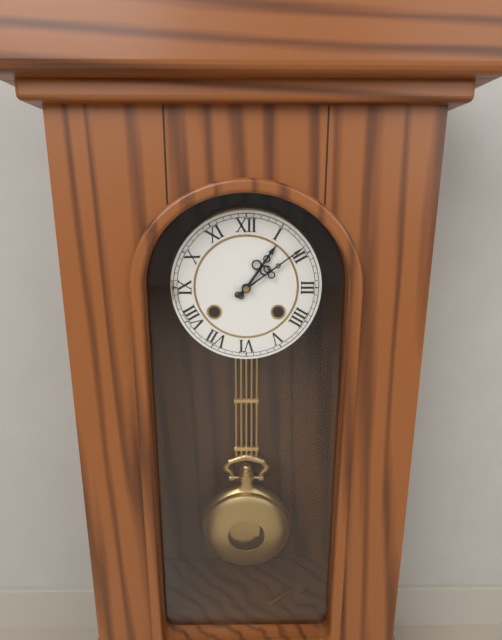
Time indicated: 1:09
